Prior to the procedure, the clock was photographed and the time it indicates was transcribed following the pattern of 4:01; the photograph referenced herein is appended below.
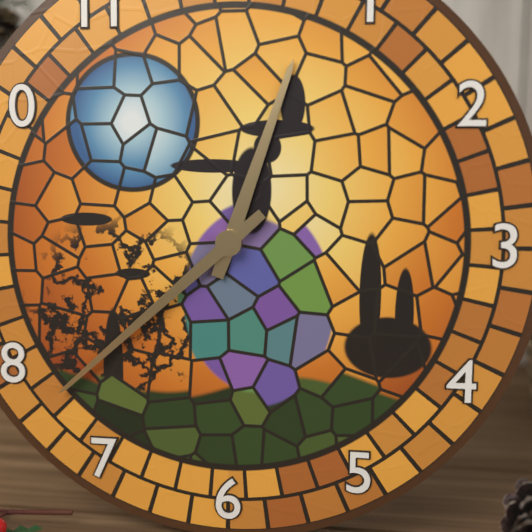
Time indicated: 12:38
